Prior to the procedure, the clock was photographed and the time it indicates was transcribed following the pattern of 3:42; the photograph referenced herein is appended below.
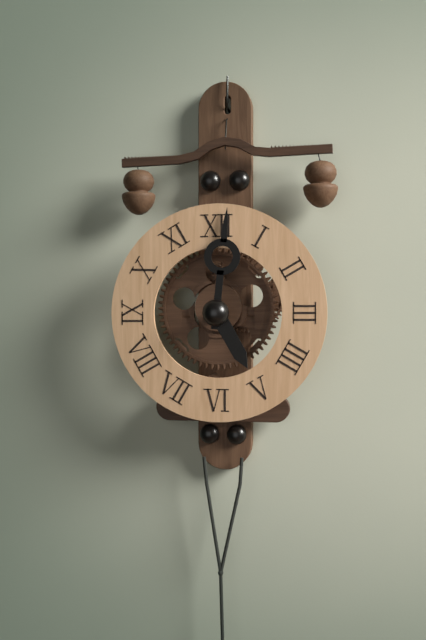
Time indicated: 5:01
